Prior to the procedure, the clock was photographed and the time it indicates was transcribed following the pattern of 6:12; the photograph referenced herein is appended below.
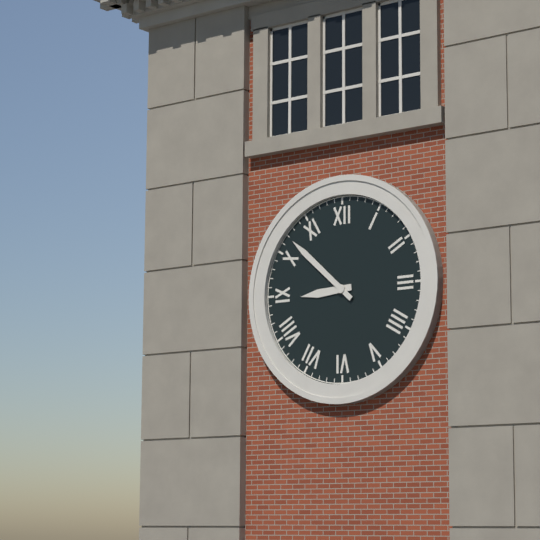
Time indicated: 8:52
